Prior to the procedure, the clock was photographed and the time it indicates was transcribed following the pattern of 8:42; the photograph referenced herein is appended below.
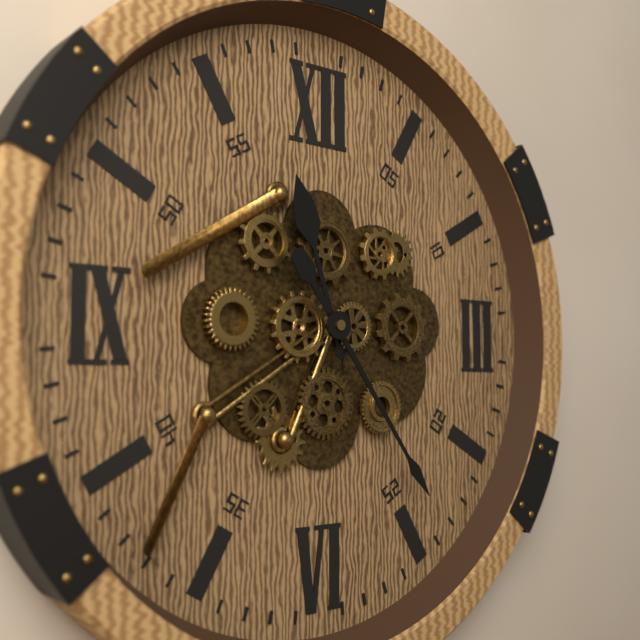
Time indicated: 11:24
